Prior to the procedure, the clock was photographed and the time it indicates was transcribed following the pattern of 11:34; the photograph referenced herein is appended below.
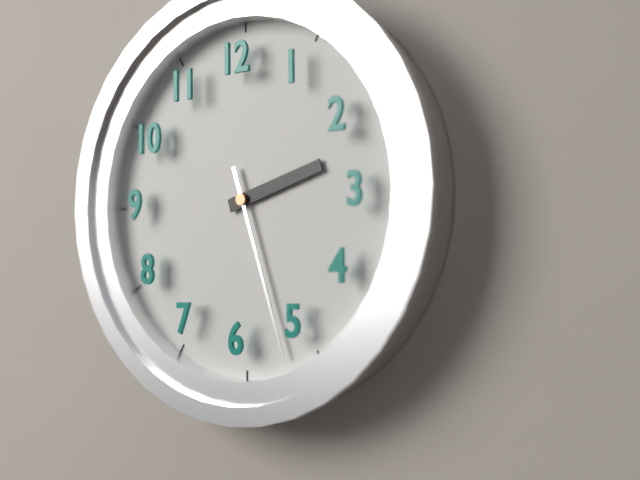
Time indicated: 2:27
